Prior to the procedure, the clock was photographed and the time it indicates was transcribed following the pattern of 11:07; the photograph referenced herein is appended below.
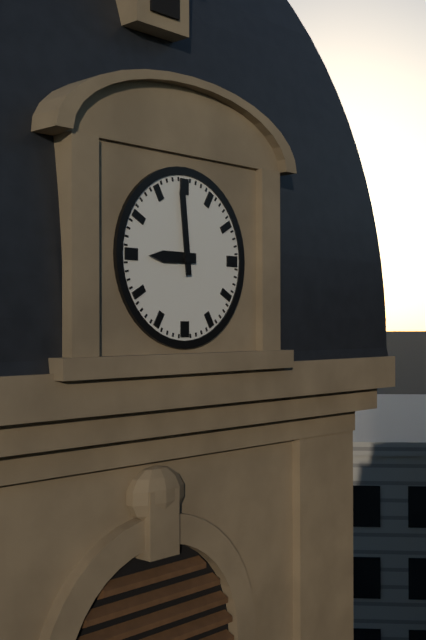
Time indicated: 8:59
